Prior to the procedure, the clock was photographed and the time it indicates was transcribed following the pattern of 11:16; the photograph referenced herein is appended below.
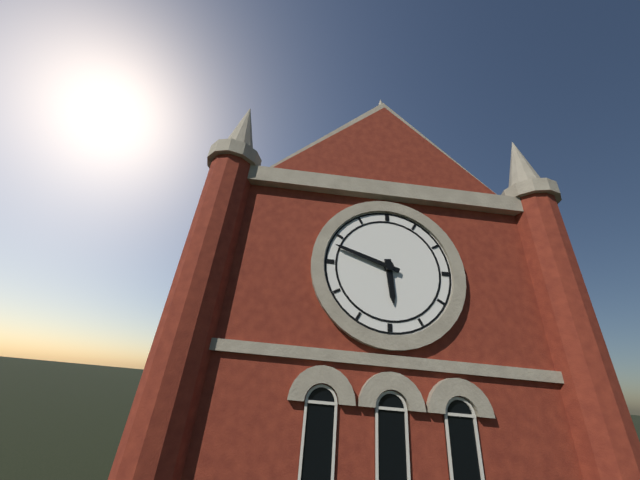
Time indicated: 5:48
